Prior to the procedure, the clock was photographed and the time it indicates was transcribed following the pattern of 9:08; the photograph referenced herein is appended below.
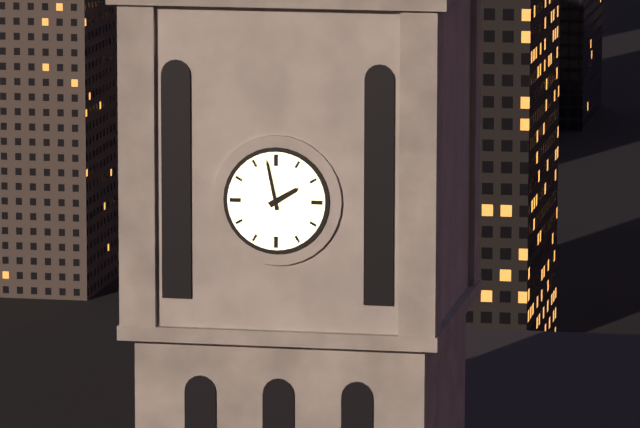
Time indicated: 1:58
